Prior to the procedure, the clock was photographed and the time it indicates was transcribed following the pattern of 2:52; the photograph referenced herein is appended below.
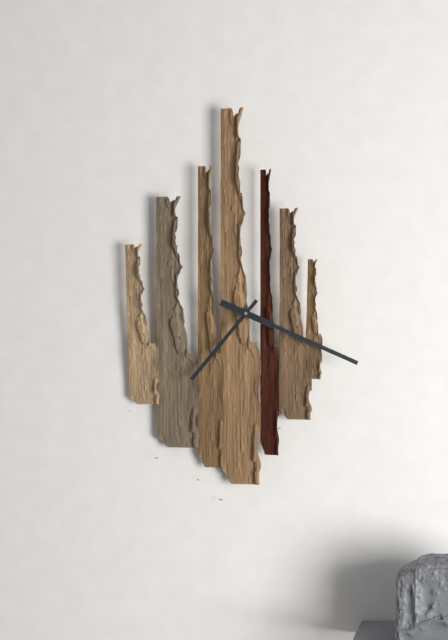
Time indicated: 7:19
